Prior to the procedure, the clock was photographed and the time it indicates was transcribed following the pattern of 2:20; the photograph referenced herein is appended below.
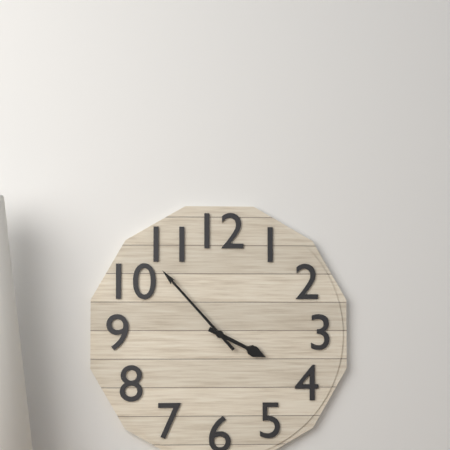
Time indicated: 3:53
